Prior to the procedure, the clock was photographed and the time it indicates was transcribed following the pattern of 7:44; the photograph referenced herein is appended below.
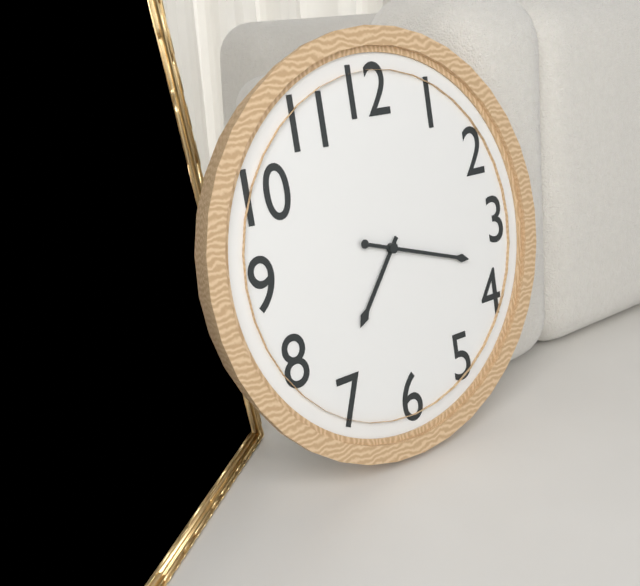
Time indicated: 7:18
